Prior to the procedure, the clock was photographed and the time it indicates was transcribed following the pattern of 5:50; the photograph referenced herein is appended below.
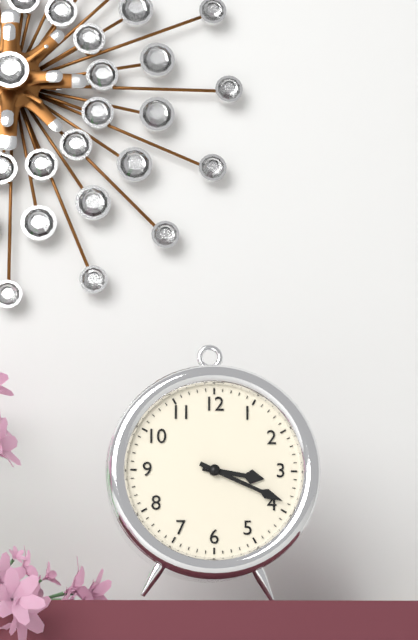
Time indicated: 3:19
